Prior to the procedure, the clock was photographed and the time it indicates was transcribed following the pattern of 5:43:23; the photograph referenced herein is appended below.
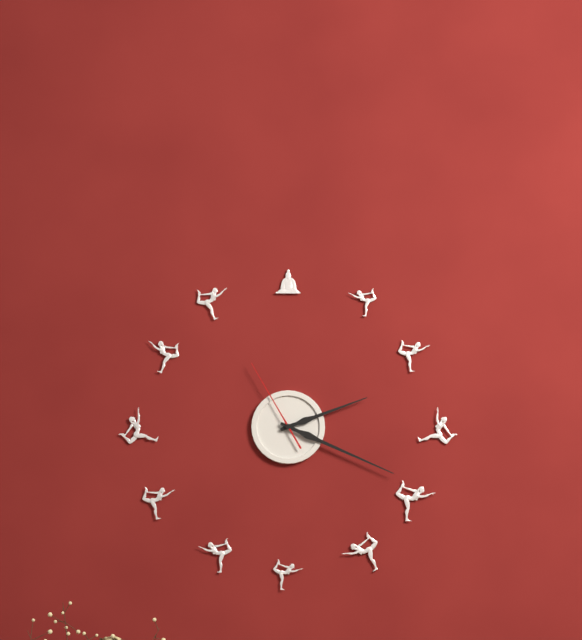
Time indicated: 2:19:55
